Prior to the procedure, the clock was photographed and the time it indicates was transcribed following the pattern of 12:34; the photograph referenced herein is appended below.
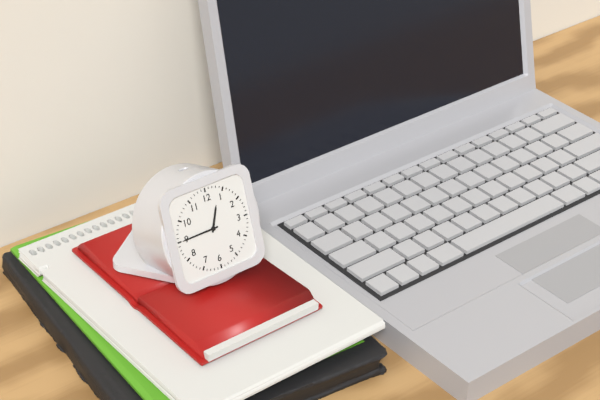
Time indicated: 12:45
